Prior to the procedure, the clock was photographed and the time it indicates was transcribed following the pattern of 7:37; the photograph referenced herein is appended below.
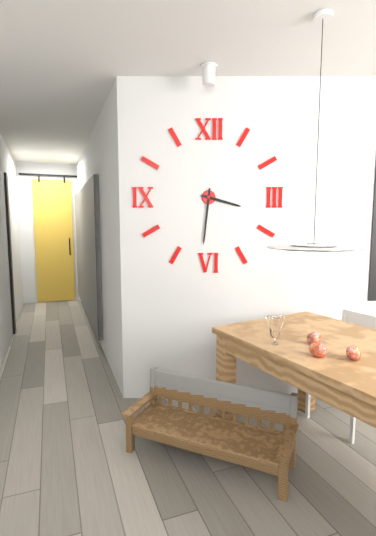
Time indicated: 3:31
